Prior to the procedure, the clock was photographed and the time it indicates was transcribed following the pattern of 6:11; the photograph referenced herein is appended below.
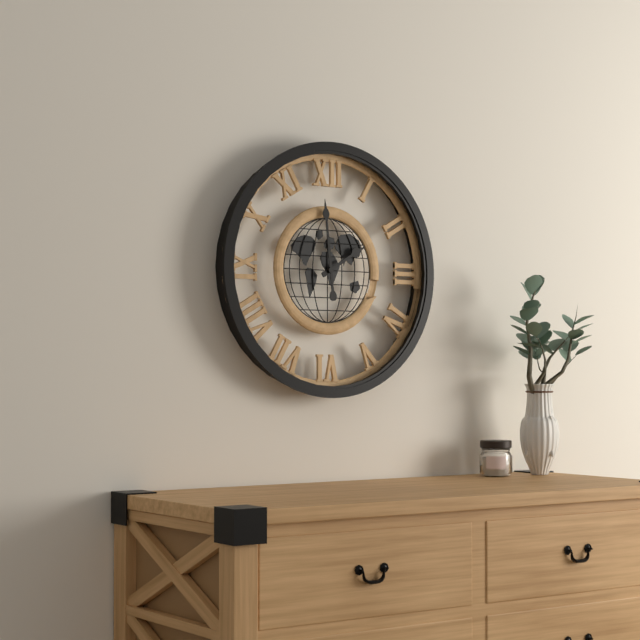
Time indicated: 1:59
